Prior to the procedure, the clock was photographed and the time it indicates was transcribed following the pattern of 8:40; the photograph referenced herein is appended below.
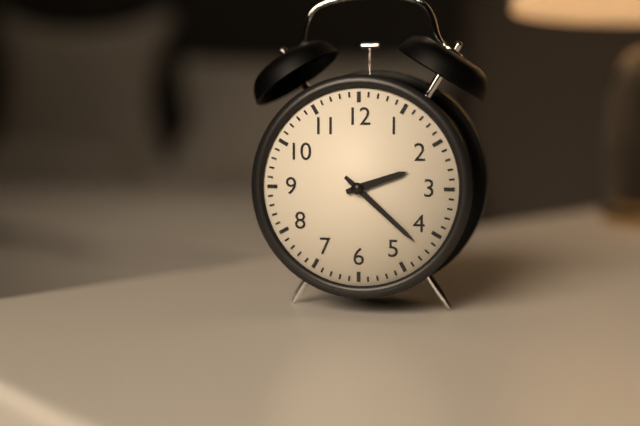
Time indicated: 2:22
